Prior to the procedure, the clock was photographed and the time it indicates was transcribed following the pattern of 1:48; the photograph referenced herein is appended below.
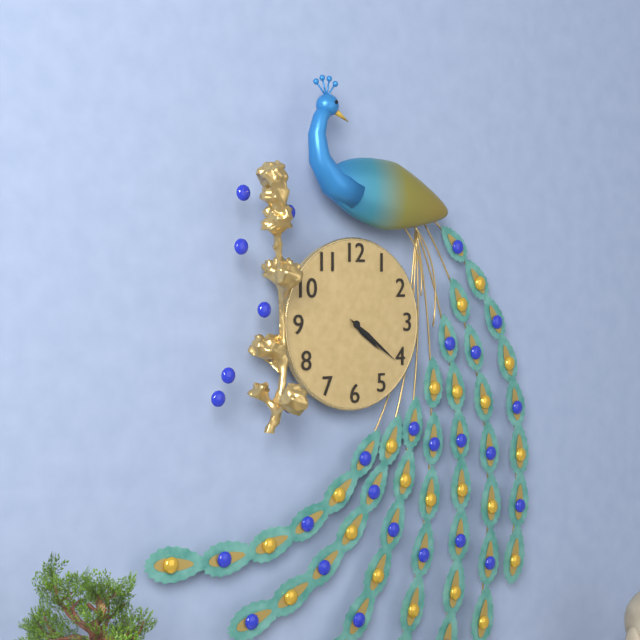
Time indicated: 4:21
